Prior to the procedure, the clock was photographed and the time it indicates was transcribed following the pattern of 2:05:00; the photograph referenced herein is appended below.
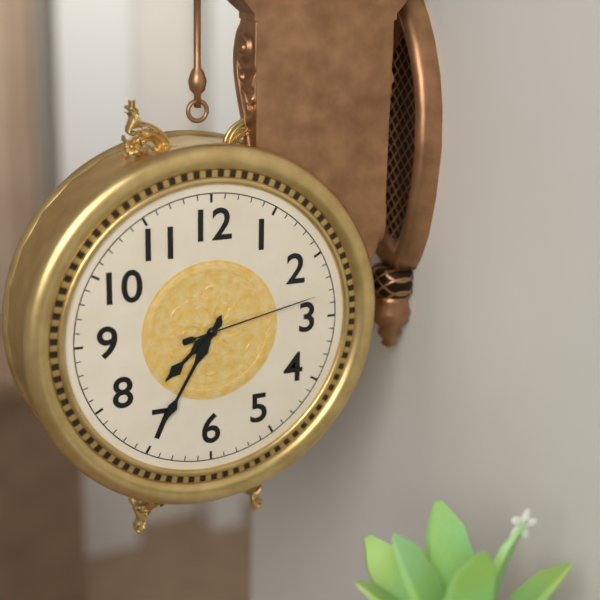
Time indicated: 7:35:13
